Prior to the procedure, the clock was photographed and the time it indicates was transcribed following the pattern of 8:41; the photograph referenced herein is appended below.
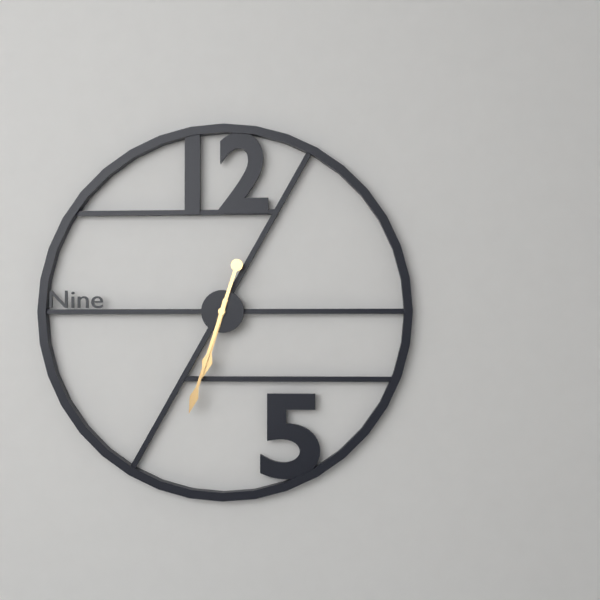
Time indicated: 6:33
